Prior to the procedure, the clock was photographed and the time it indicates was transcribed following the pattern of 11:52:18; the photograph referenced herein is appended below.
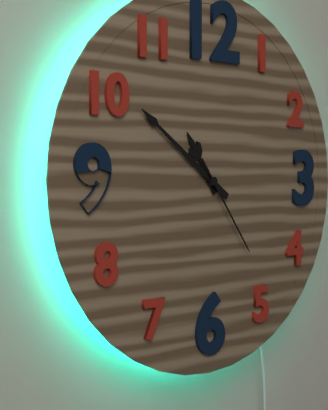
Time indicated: 10:51:24
